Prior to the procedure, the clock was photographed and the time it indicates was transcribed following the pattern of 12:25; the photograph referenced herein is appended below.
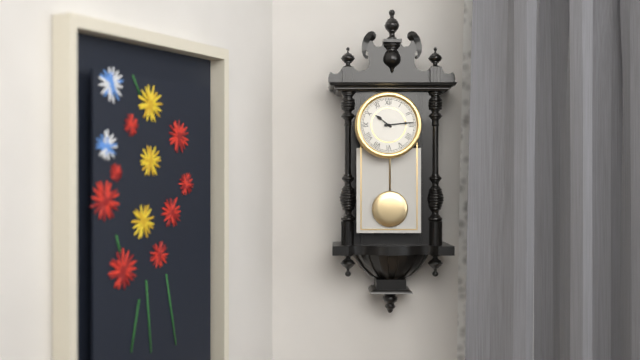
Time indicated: 10:14
